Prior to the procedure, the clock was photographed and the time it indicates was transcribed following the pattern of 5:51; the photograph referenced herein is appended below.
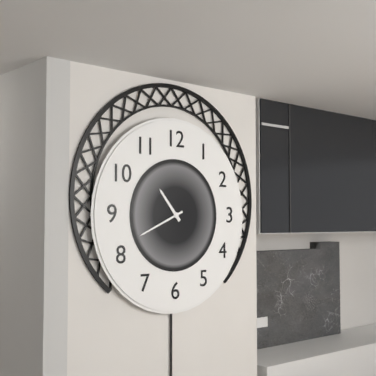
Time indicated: 10:41
